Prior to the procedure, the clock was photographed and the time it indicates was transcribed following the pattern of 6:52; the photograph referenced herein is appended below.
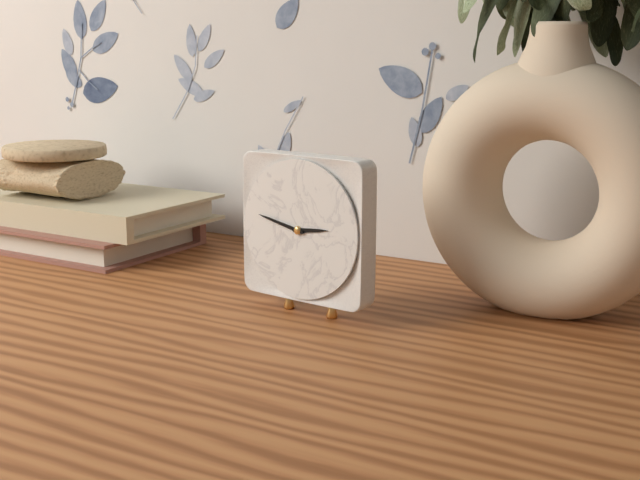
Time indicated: 2:47
